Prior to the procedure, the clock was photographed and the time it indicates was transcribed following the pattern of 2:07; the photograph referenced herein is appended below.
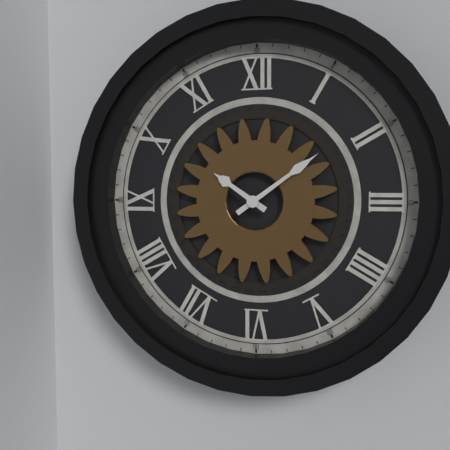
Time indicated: 10:09
